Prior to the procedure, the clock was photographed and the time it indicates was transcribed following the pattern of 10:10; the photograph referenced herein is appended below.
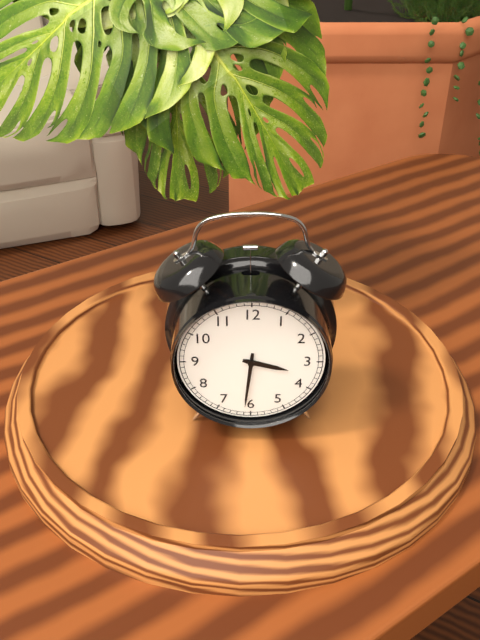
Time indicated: 3:31
